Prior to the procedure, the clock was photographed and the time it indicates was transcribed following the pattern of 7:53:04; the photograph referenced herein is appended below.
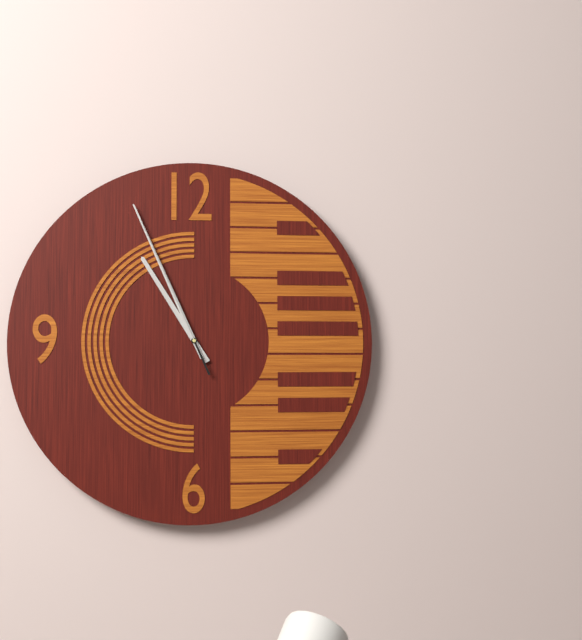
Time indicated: 10:56:56
